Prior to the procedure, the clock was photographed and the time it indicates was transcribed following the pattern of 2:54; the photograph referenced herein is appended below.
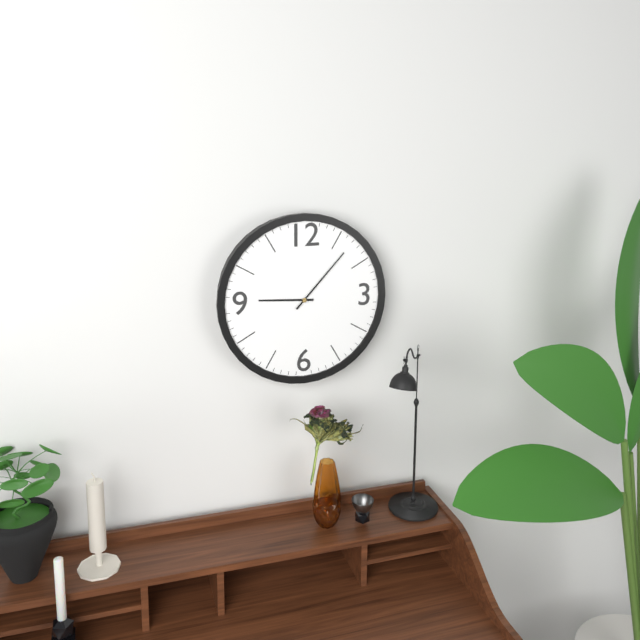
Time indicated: 9:07
